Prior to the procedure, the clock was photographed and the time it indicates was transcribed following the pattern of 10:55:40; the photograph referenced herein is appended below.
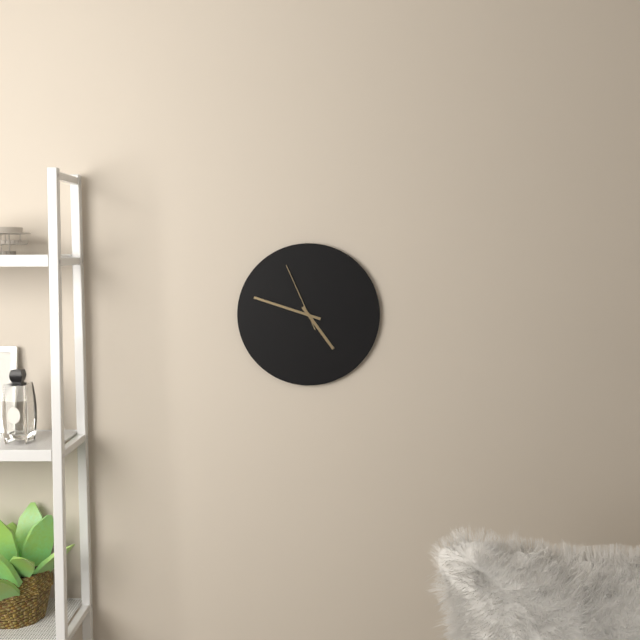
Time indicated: 4:48:56
